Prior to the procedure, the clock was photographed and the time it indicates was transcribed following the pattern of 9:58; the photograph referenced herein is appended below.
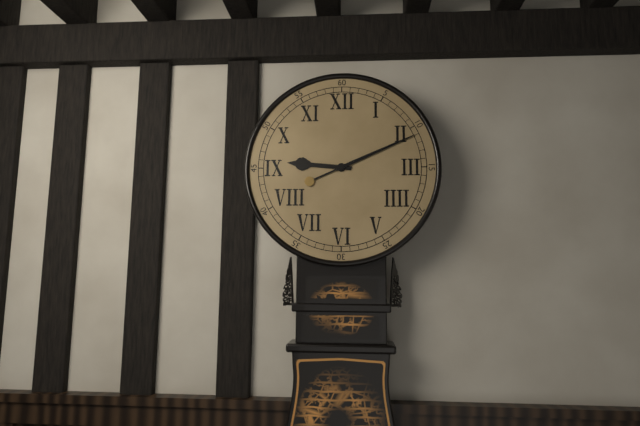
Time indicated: 9:11
